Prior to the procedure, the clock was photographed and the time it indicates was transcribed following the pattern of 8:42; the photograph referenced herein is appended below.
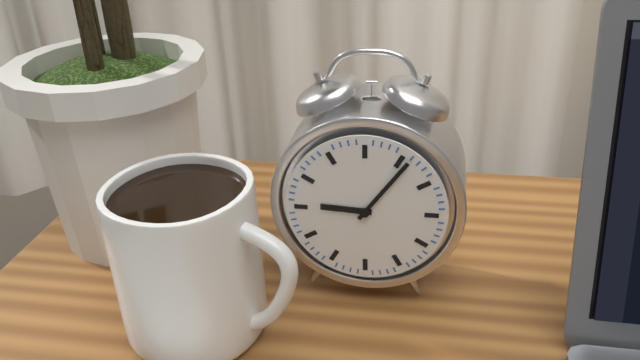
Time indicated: 9:06
